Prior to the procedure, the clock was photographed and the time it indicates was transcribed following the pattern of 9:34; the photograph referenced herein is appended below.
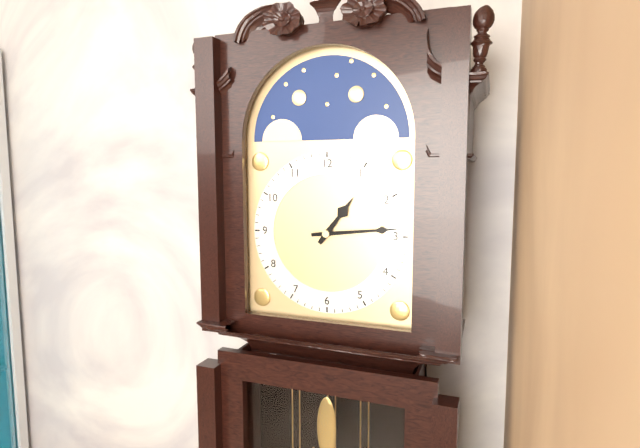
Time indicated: 1:14
